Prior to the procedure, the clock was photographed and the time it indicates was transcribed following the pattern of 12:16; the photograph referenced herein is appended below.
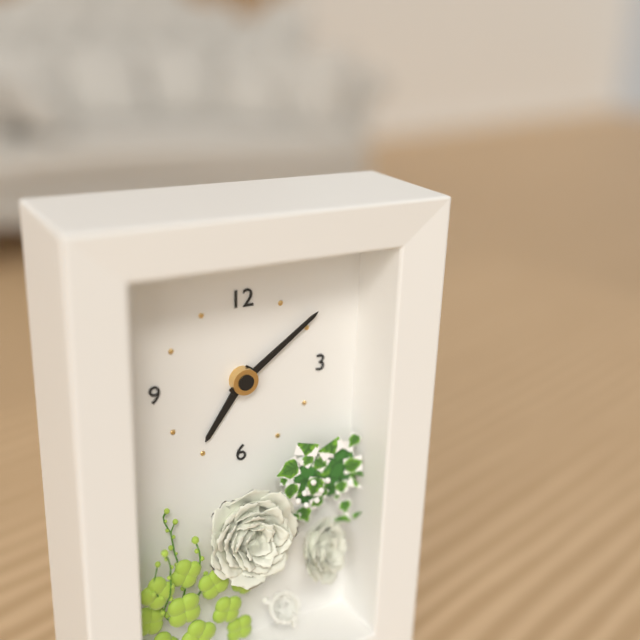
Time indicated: 7:09
